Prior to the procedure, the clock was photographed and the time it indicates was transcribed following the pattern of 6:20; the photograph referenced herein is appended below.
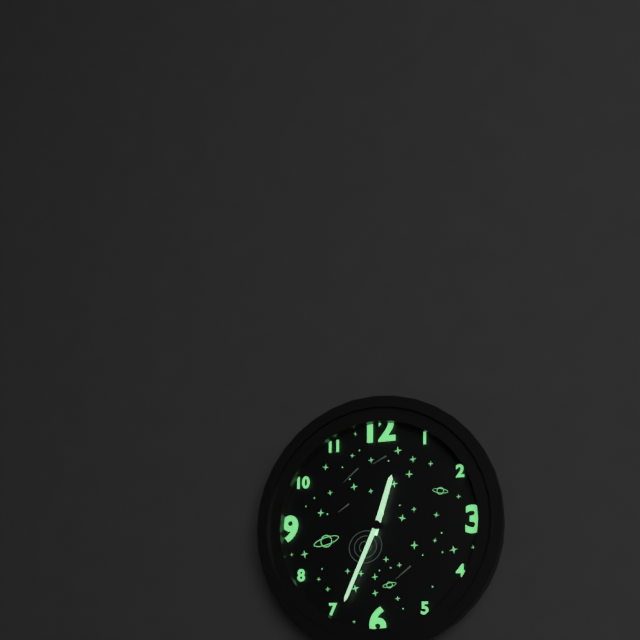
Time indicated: 12:34
